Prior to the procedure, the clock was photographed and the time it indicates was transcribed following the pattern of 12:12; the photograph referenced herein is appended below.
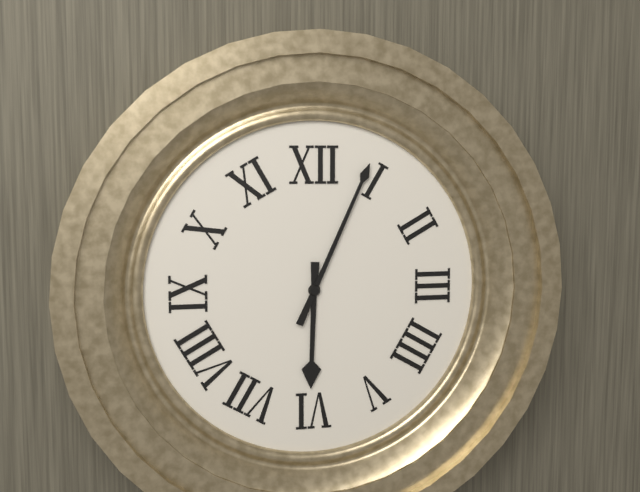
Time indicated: 6:04
